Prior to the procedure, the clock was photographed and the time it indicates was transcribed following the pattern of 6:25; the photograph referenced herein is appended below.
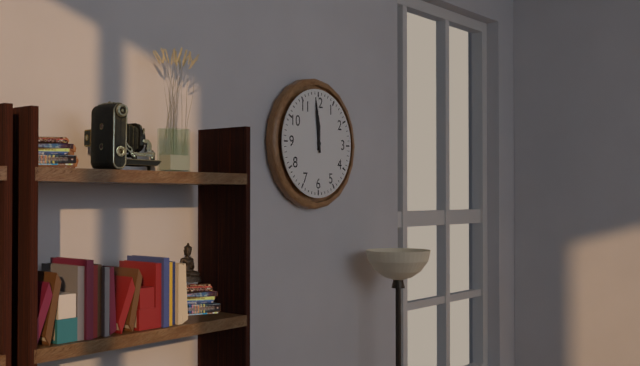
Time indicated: 11:59
